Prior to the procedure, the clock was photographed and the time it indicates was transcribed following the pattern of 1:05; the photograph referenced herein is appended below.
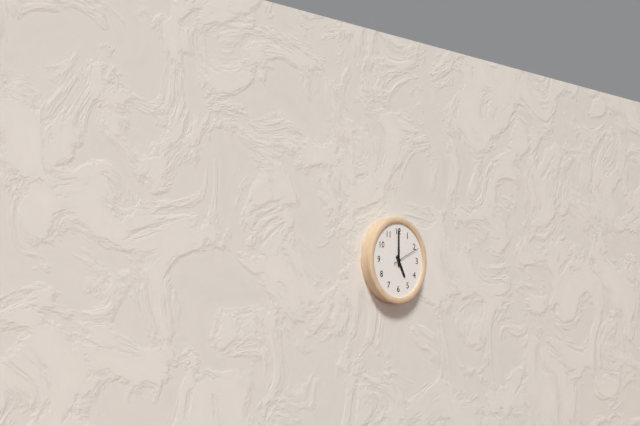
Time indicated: 5:00
